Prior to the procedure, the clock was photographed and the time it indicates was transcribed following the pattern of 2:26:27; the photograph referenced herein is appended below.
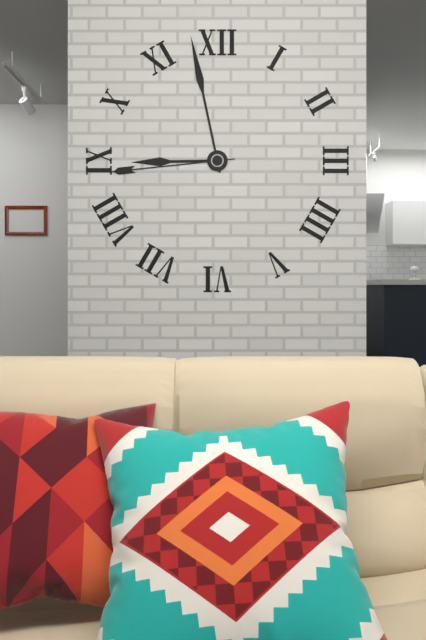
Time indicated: 8:58:44
